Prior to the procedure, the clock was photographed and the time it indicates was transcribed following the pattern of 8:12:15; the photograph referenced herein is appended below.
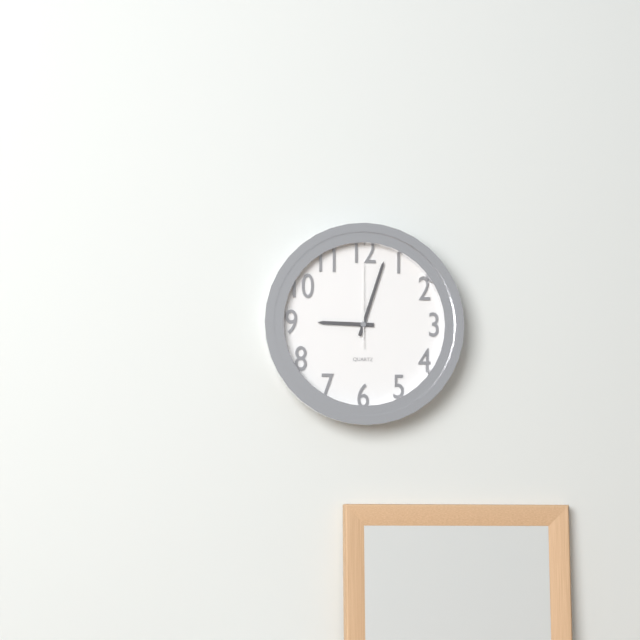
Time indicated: 9:03:00
